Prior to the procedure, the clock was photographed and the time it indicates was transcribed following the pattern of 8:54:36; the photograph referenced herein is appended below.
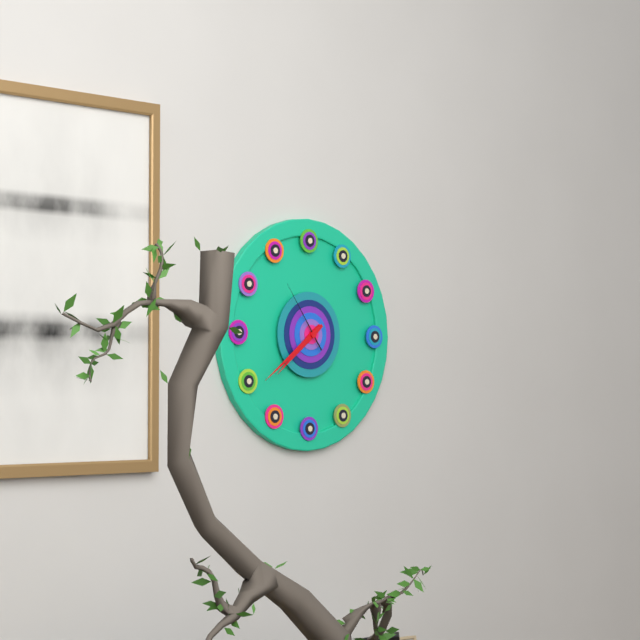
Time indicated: 7:39:54
